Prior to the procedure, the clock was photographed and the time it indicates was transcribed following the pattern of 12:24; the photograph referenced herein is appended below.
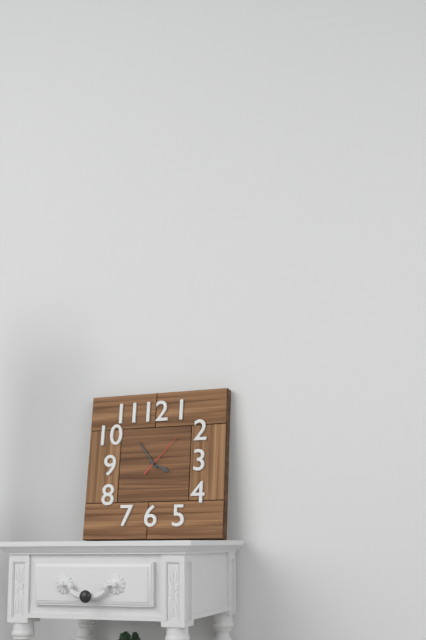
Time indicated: 3:54
